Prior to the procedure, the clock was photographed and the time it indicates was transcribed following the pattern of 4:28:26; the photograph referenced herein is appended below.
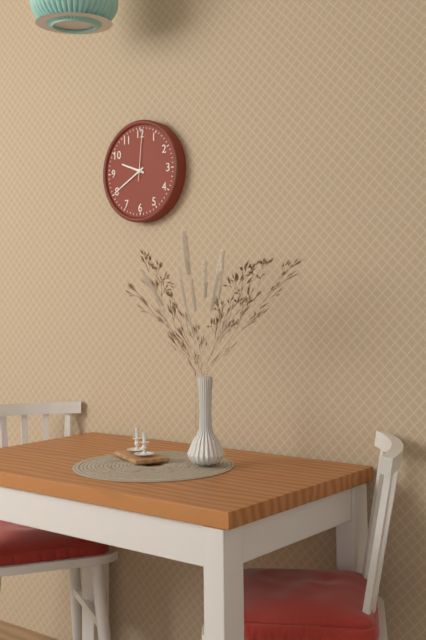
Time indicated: 9:40:01
